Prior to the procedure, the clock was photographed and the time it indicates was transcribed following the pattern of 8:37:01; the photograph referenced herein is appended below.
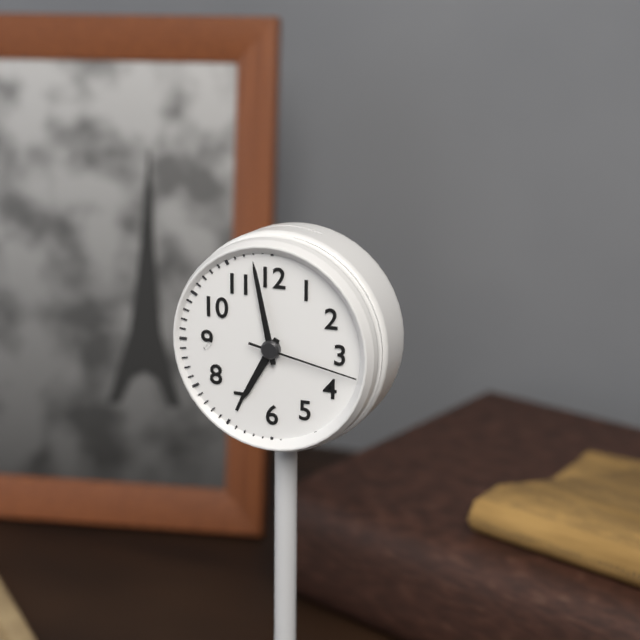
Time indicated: 6:58:17
